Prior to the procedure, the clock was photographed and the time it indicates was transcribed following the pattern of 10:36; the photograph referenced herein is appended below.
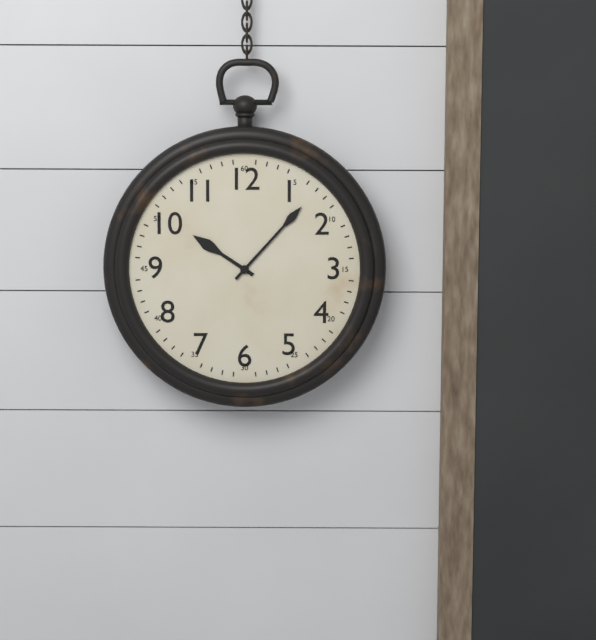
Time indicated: 10:07
